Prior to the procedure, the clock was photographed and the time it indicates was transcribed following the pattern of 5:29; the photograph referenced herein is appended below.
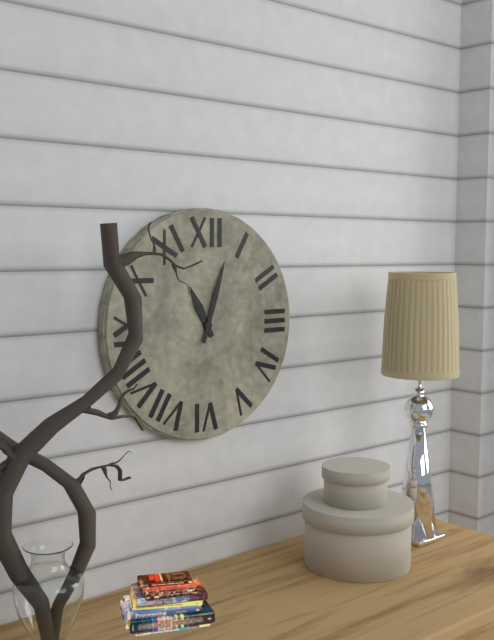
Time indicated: 11:03
